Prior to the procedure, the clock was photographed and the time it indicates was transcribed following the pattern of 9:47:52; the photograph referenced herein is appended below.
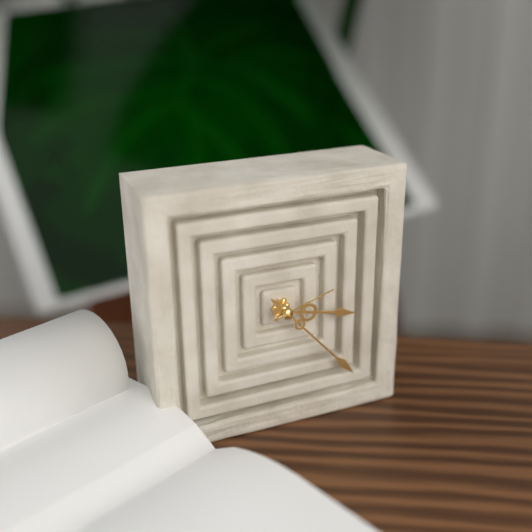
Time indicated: 3:23:12
